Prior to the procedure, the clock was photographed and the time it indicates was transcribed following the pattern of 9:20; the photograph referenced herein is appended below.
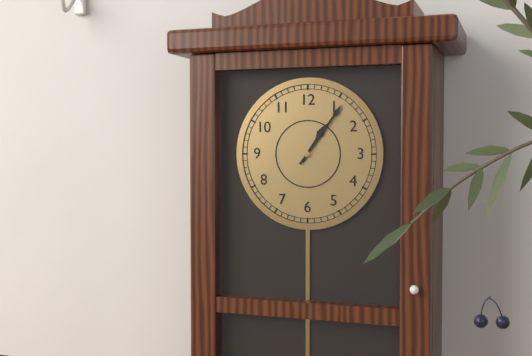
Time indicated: 1:06
